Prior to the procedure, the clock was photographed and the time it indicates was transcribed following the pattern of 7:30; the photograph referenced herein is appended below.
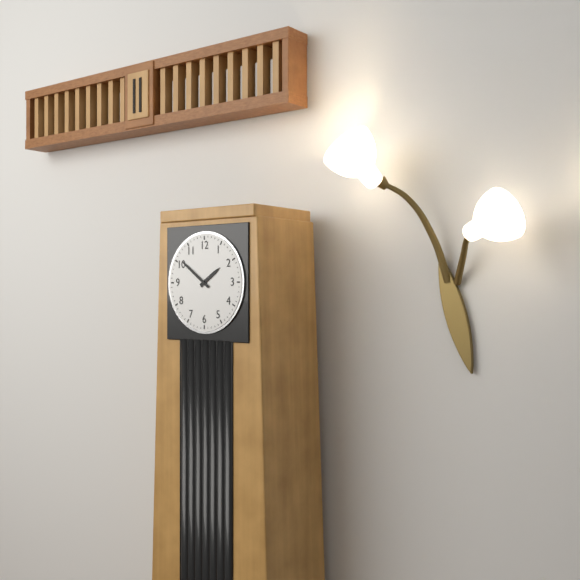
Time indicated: 1:51
